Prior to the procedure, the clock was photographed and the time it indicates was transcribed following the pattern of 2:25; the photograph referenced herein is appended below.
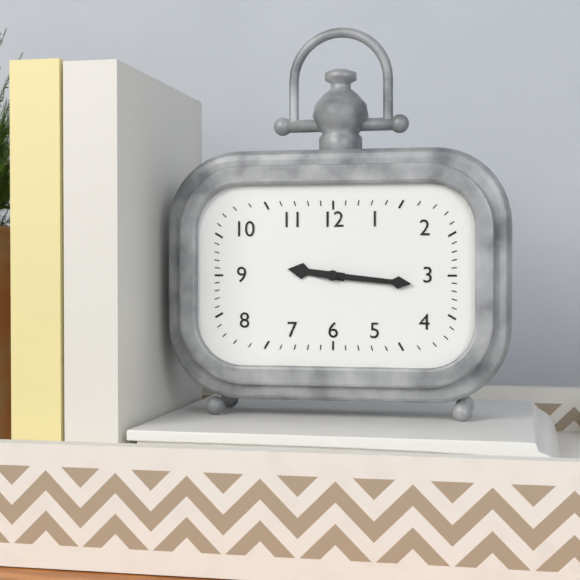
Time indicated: 9:16
